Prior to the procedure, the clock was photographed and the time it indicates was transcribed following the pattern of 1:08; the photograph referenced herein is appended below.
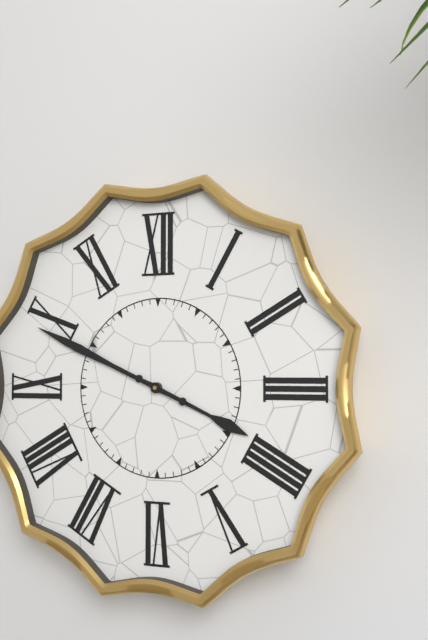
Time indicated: 3:49
